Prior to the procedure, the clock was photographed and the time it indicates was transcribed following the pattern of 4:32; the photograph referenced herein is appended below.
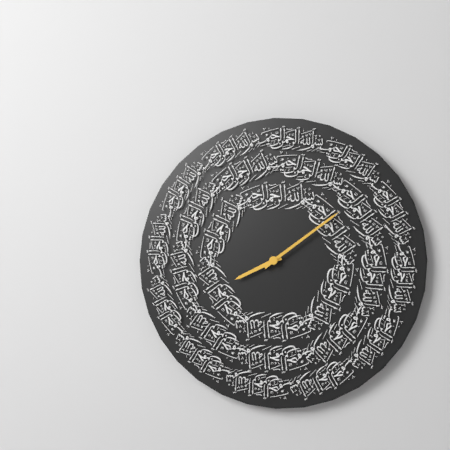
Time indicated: 8:09
